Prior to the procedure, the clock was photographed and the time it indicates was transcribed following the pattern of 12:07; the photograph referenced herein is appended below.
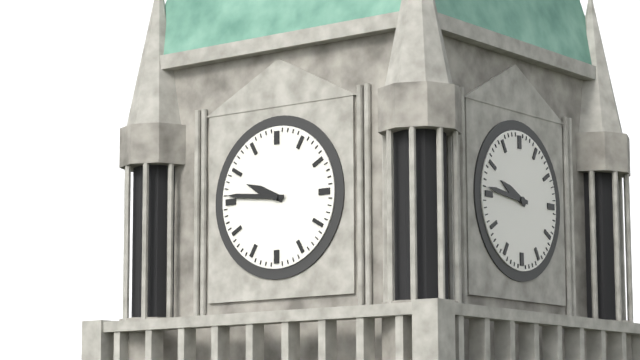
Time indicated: 9:46
